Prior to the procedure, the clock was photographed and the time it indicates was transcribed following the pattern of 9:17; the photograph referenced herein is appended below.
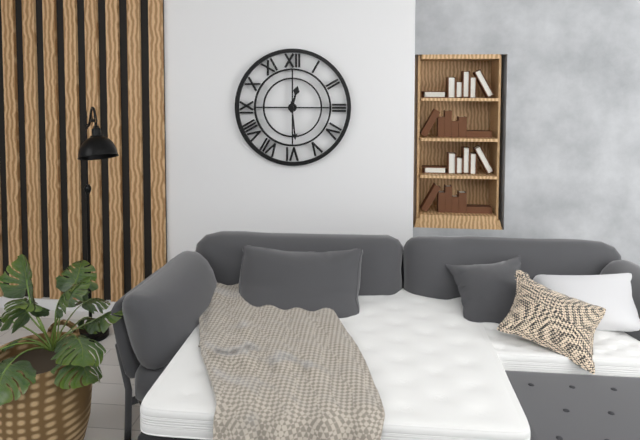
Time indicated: 12:29
